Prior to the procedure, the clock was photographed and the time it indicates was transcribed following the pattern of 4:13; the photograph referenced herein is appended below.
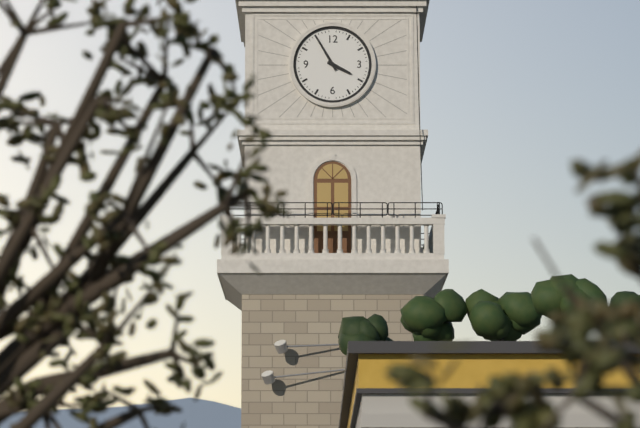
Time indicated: 3:55
